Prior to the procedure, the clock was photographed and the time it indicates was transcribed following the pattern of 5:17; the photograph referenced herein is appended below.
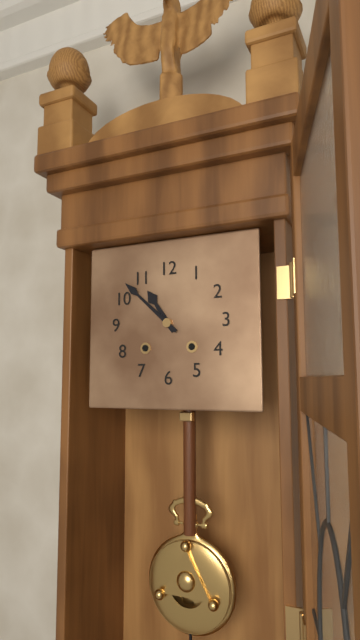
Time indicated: 10:52
